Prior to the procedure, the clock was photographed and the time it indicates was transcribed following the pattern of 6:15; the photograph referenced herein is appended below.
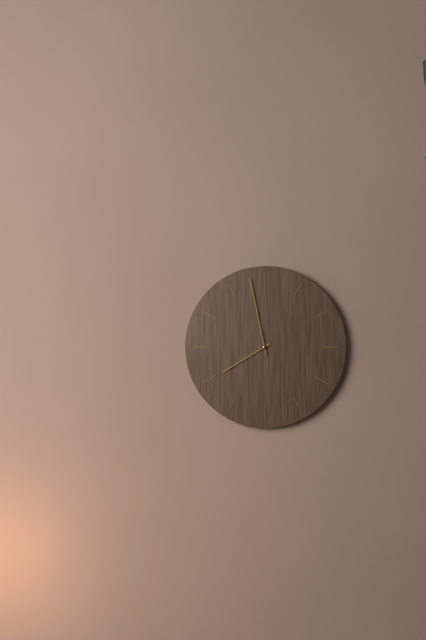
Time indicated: 7:58
